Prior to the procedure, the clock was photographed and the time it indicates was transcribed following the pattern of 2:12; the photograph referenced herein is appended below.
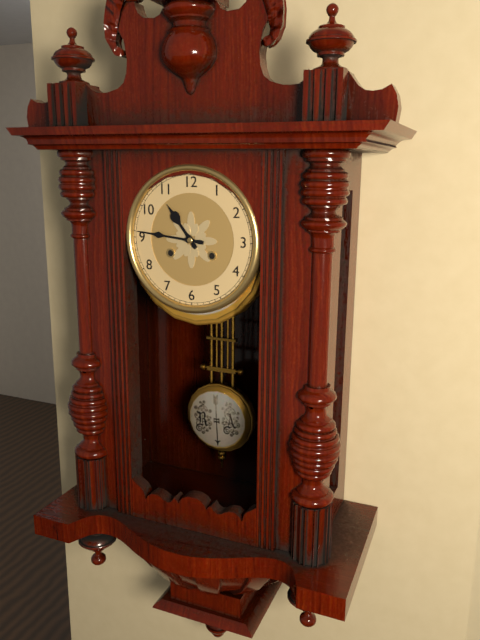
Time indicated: 10:46
